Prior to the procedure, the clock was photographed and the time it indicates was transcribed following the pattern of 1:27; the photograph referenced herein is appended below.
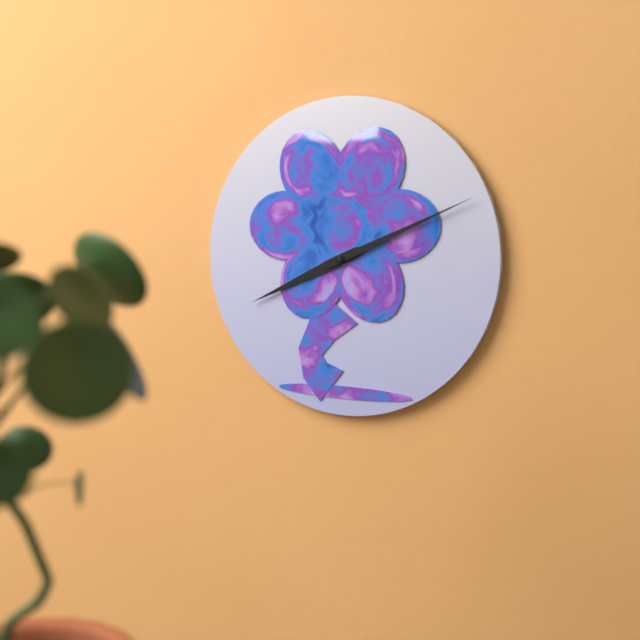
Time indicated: 8:11
